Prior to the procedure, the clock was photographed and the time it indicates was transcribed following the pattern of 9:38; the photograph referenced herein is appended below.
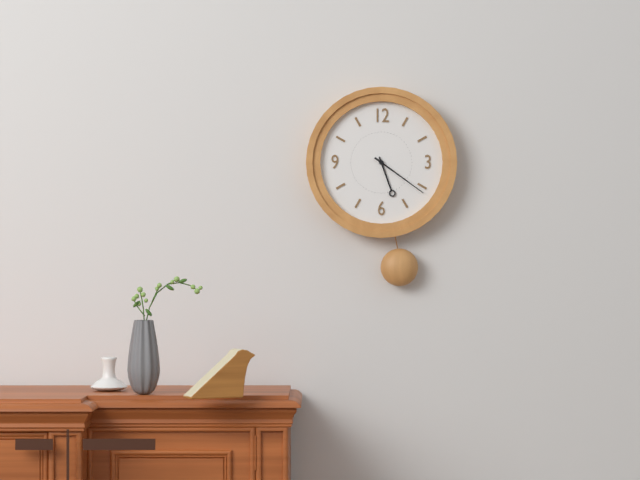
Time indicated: 5:21
